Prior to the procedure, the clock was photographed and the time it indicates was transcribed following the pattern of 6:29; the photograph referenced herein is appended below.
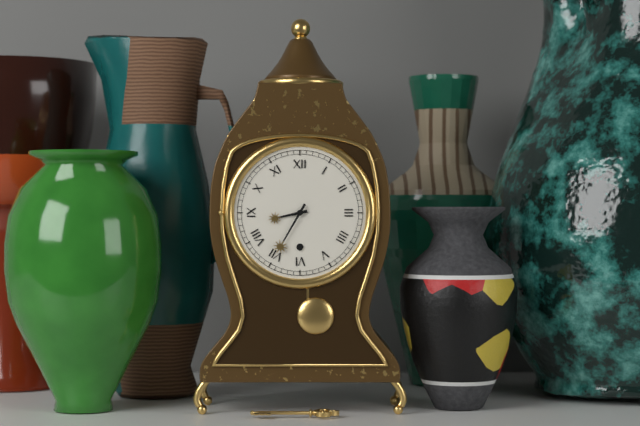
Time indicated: 8:35
